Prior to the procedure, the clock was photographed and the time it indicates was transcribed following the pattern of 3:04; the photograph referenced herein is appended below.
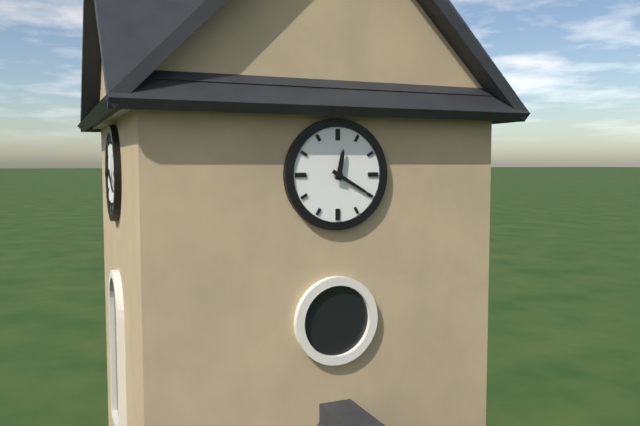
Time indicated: 12:20
